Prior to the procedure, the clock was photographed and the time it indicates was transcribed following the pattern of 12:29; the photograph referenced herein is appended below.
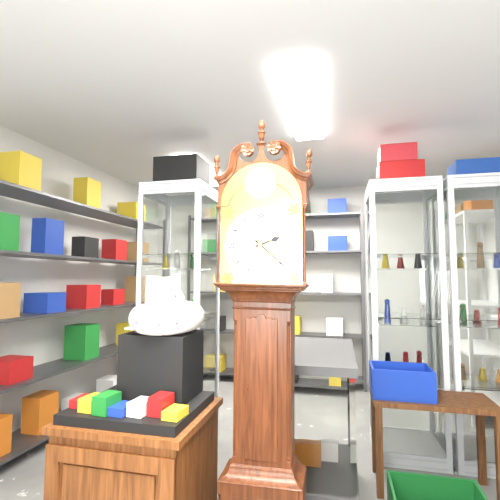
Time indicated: 2:22
